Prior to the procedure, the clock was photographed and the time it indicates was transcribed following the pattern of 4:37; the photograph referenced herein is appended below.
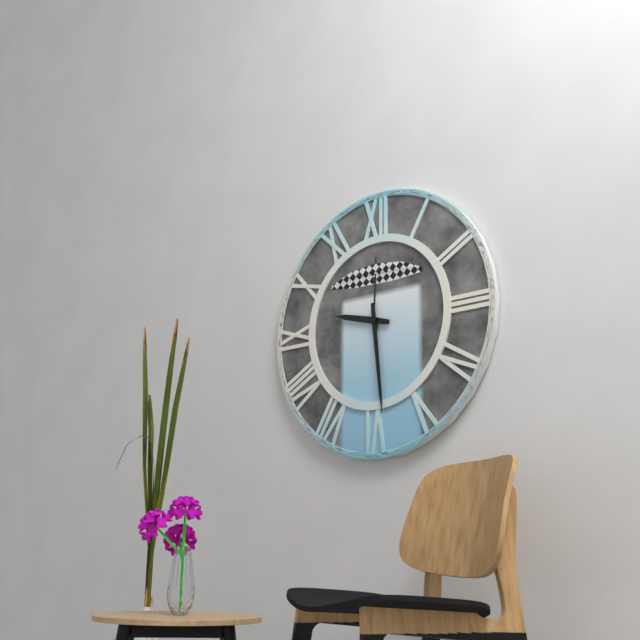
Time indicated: 9:29
